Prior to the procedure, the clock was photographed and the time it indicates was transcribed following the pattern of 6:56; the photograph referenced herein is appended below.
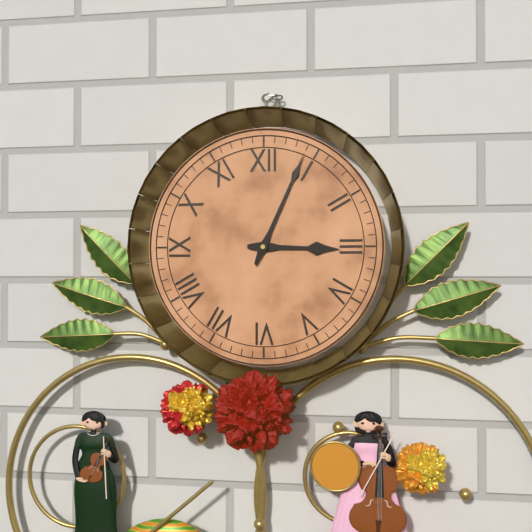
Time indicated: 3:04
